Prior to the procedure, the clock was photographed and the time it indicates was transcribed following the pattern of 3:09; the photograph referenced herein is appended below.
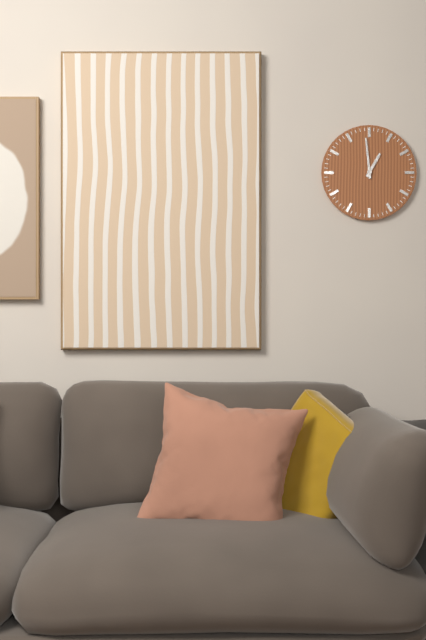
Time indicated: 12:59
